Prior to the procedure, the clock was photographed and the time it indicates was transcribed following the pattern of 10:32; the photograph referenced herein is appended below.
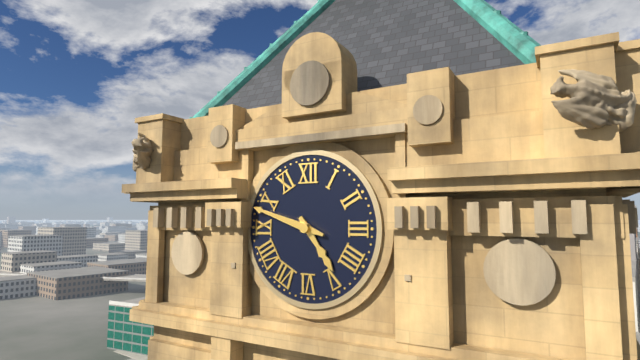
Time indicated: 4:48
